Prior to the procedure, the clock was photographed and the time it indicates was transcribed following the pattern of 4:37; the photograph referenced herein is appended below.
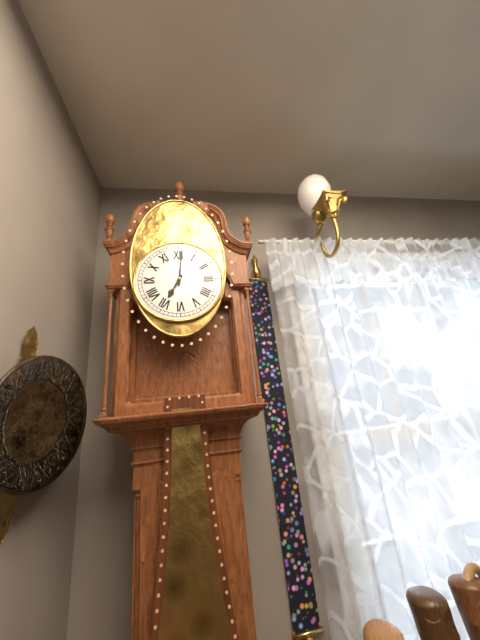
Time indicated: 7:01
